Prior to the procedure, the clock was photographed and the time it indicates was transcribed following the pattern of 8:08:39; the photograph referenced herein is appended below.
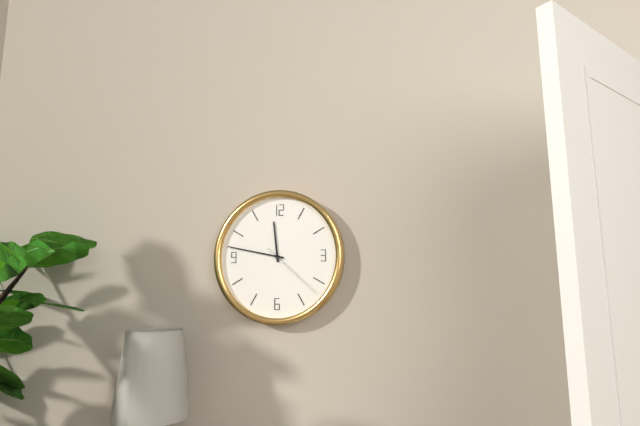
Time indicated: 11:47:22
